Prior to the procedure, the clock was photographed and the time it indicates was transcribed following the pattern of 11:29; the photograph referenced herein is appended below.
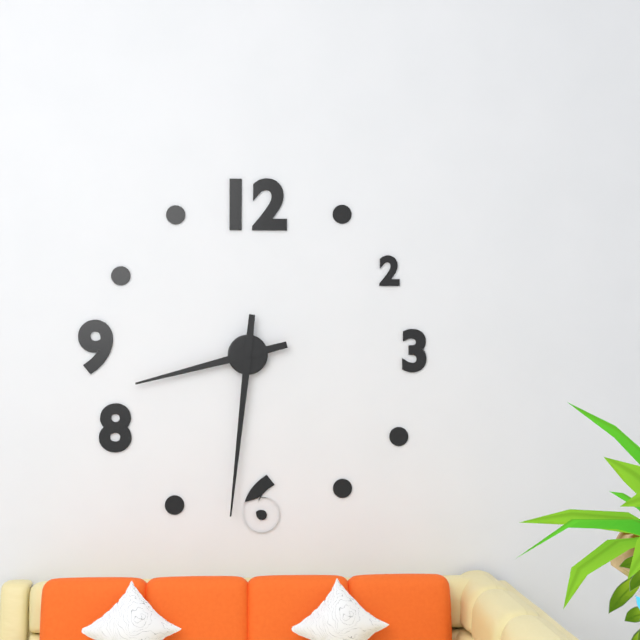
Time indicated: 8:31
